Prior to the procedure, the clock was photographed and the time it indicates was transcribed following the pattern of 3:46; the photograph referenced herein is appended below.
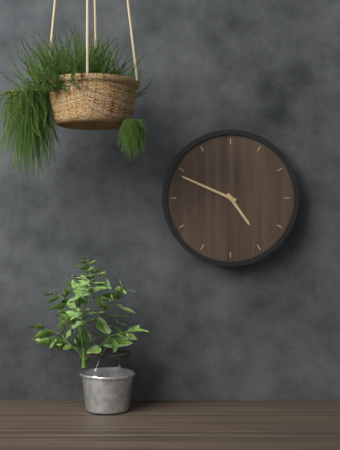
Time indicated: 4:49
